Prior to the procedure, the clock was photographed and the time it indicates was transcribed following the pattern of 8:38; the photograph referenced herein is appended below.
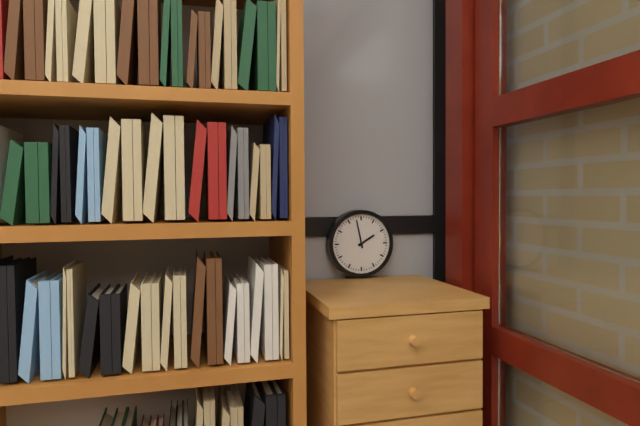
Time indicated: 1:58
